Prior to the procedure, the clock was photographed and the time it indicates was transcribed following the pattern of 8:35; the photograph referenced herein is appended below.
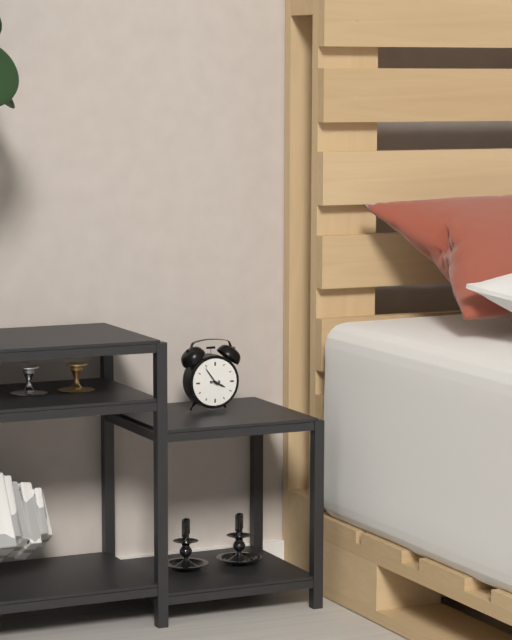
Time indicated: 3:54
